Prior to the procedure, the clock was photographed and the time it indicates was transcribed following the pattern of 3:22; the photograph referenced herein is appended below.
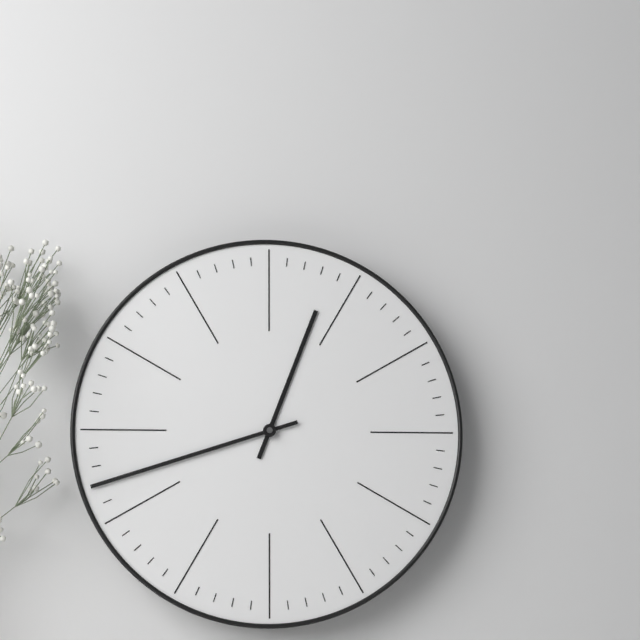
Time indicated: 12:42
